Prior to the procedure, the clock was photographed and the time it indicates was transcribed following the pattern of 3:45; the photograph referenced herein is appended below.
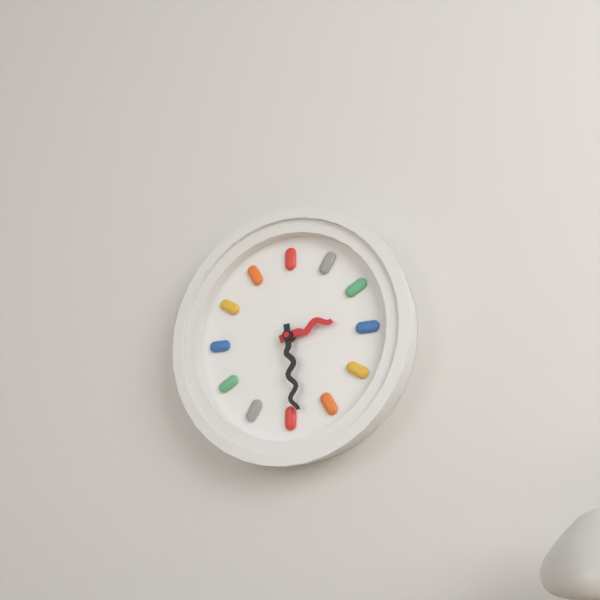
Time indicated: 2:29
